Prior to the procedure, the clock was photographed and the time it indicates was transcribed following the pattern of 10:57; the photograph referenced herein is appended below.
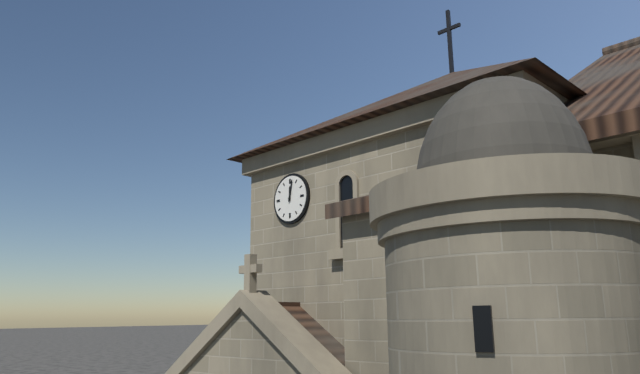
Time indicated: 12:02
